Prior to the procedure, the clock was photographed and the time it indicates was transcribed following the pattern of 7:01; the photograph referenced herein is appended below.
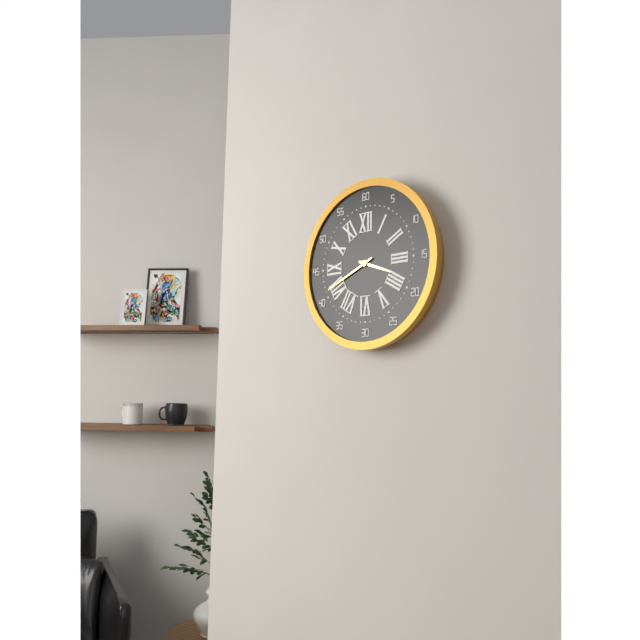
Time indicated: 3:41
